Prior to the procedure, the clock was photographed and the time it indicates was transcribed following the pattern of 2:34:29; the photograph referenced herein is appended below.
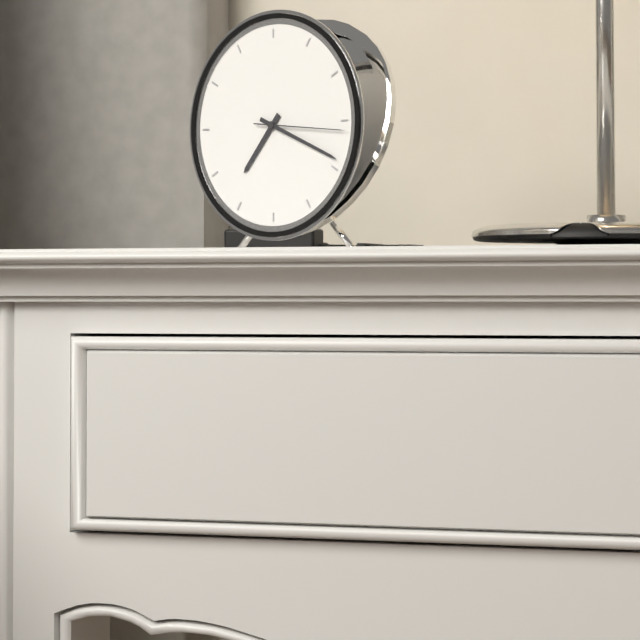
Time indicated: 7:19:16
